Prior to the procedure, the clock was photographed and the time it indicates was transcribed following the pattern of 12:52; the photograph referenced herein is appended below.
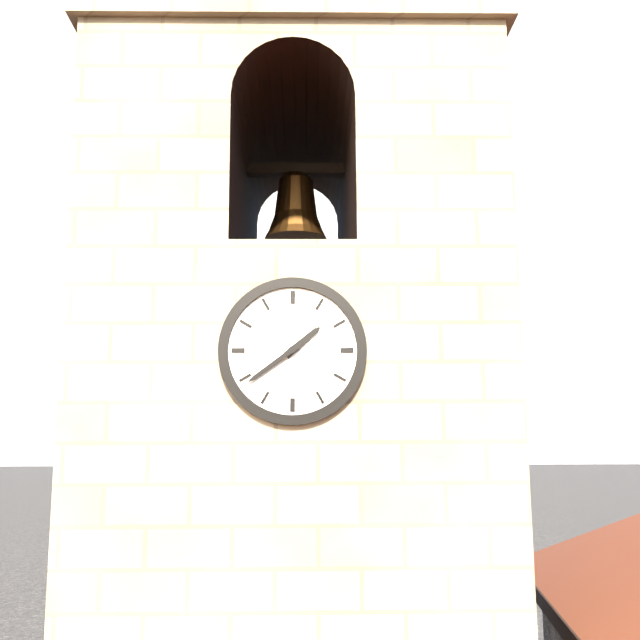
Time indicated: 1:39
